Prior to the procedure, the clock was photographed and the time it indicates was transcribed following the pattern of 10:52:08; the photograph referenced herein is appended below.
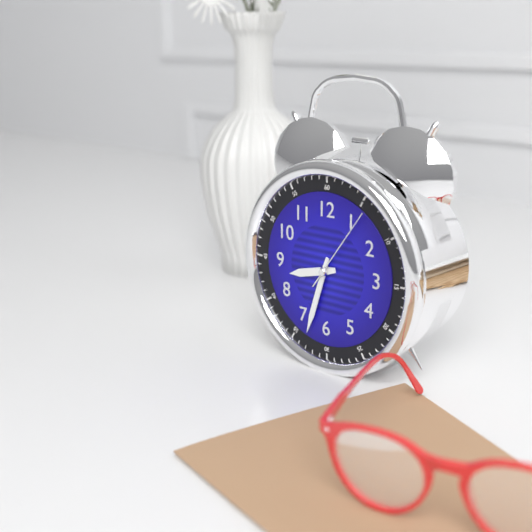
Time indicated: 8:33:06
